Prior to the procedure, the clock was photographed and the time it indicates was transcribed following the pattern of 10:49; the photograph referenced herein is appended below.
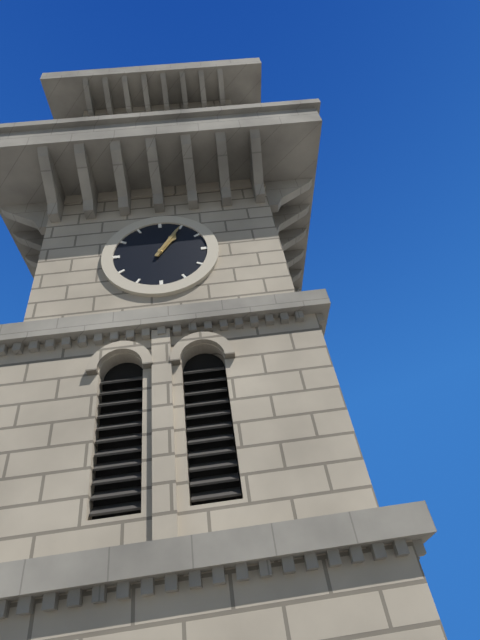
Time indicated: 1:05
